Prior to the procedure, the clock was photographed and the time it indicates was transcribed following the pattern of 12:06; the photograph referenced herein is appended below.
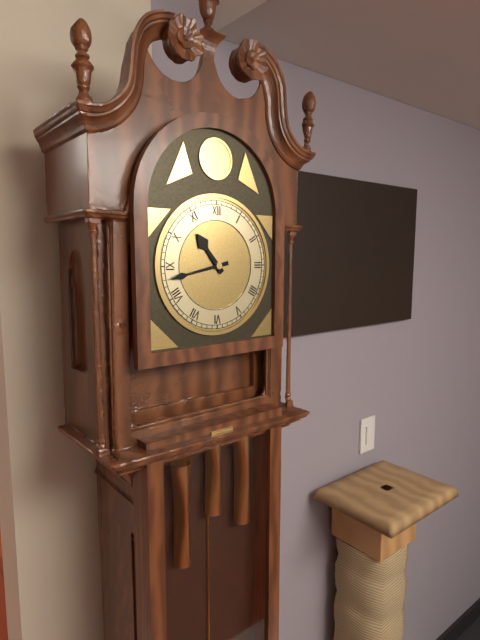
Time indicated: 10:43
